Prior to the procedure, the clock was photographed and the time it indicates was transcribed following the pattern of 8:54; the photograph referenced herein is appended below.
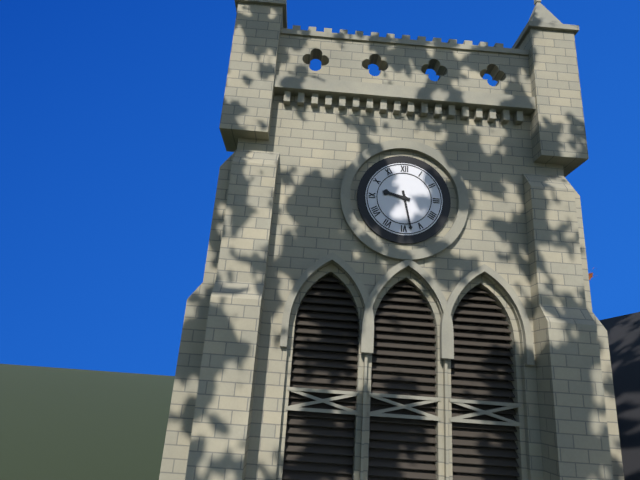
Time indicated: 9:28
